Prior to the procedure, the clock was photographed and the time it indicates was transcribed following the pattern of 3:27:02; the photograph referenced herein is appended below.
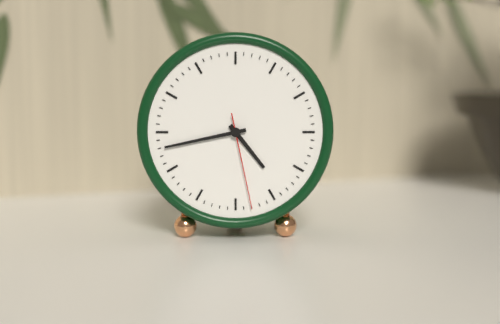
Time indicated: 4:43:28
